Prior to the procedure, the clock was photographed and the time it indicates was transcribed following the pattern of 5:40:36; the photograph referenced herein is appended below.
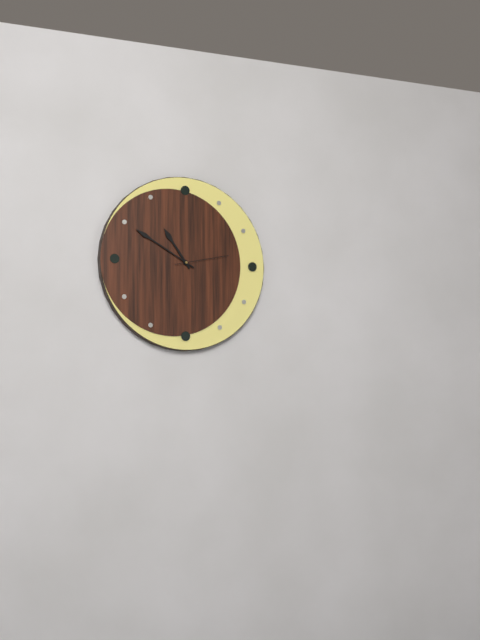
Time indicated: 10:50:13
